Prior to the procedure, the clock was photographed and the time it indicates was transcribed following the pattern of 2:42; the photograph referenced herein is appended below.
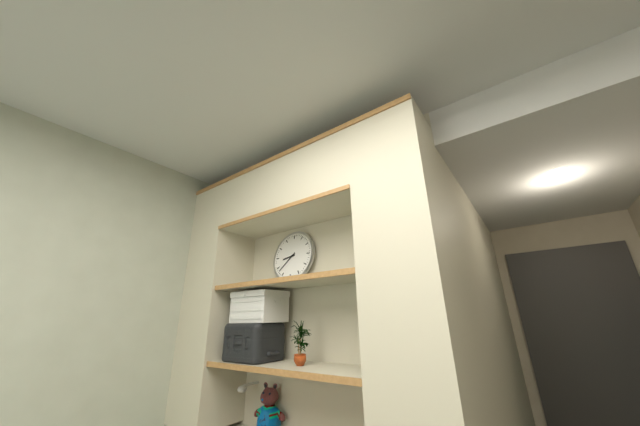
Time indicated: 8:38
